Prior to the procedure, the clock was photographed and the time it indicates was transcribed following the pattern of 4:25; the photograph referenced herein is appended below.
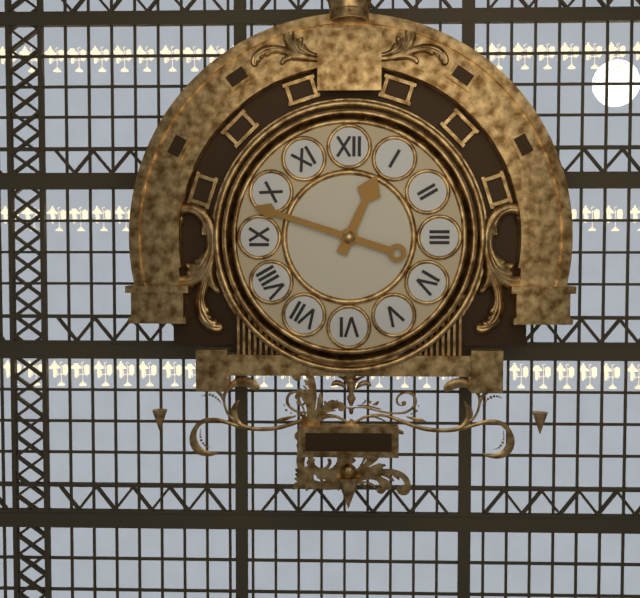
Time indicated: 12:48
